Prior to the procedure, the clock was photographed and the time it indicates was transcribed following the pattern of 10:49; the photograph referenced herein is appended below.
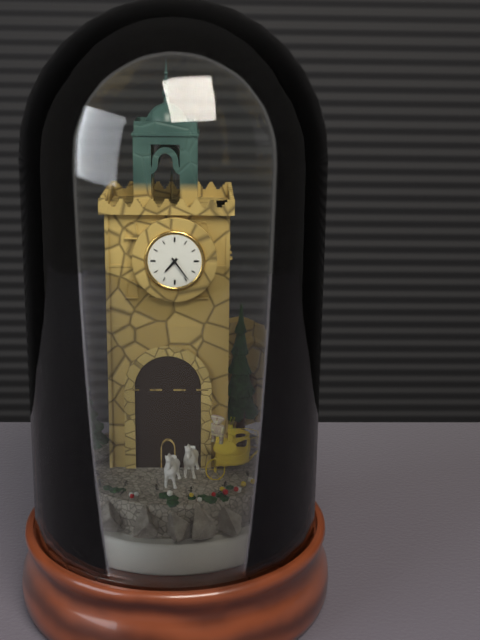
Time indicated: 7:24
